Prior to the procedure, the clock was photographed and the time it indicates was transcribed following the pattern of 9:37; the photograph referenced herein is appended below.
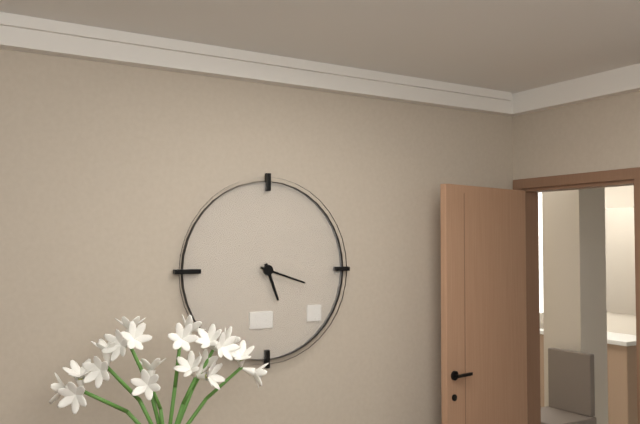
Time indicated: 5:18
